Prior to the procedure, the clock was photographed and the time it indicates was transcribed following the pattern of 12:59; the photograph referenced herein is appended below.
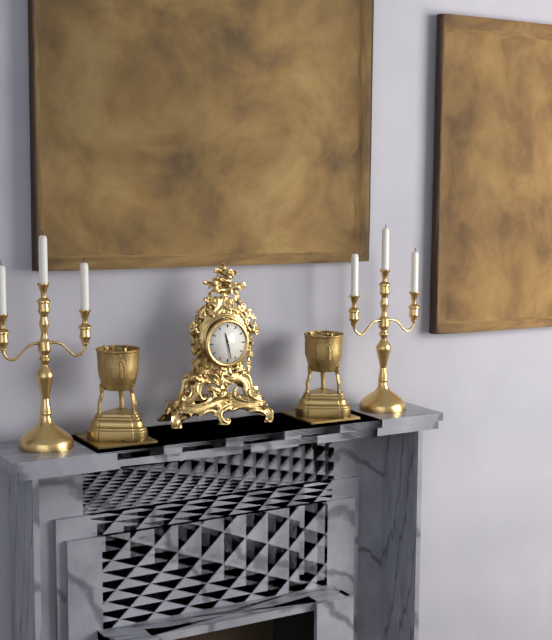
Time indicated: 11:28
